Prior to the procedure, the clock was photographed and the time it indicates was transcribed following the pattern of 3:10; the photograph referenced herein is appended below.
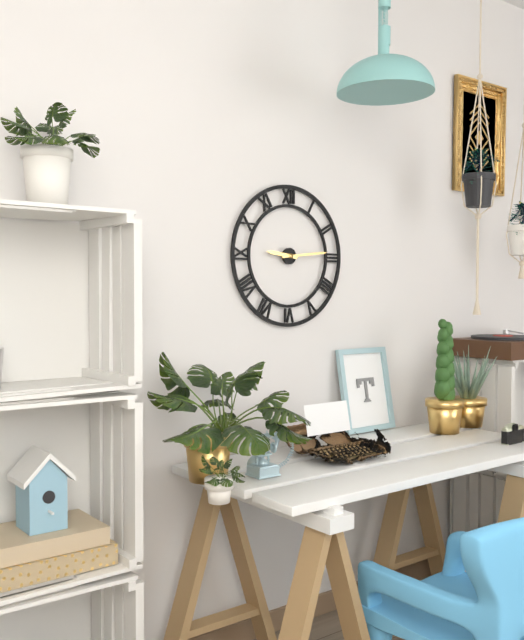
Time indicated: 9:14
